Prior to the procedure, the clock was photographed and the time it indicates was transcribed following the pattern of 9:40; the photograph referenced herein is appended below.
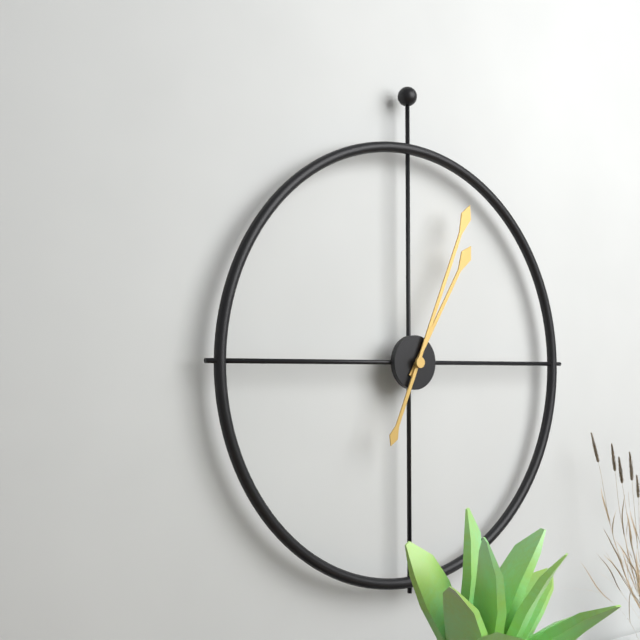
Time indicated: 1:04
